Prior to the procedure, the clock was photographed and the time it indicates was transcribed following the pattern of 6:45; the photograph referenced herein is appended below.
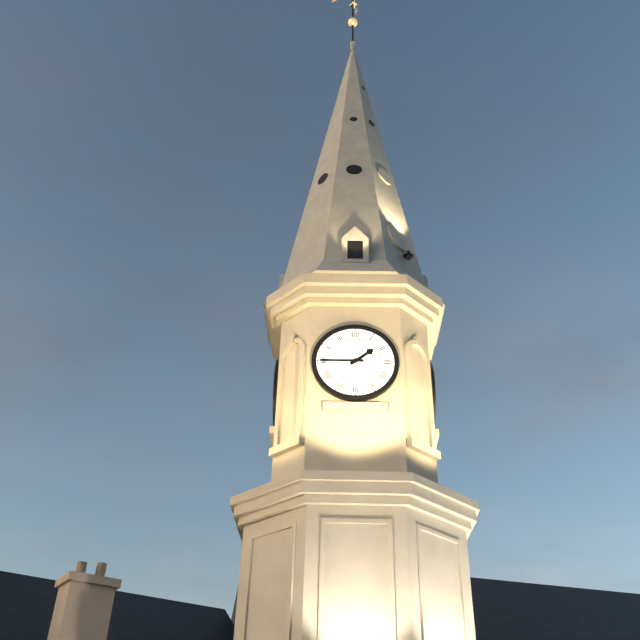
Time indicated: 1:45
